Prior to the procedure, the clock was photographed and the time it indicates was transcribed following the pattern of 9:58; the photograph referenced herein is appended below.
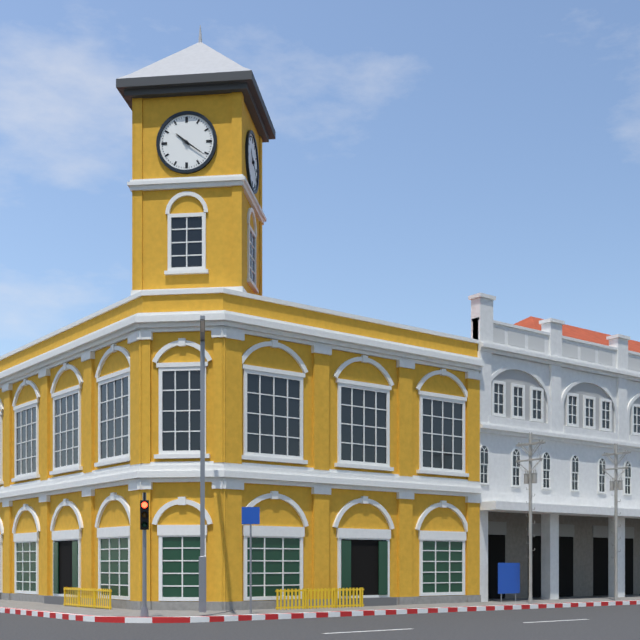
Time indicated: 10:21
